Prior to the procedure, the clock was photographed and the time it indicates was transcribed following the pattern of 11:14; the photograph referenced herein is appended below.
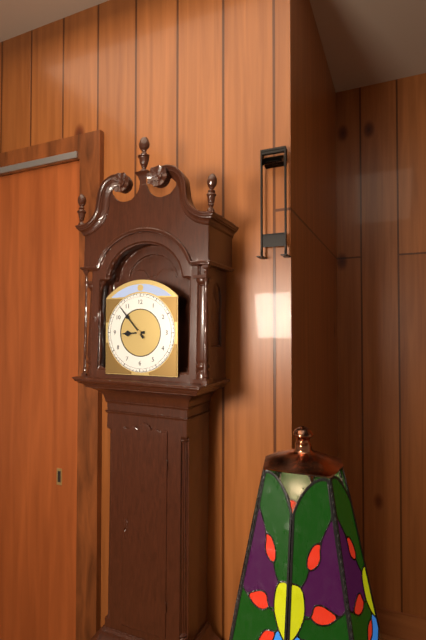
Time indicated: 8:53
